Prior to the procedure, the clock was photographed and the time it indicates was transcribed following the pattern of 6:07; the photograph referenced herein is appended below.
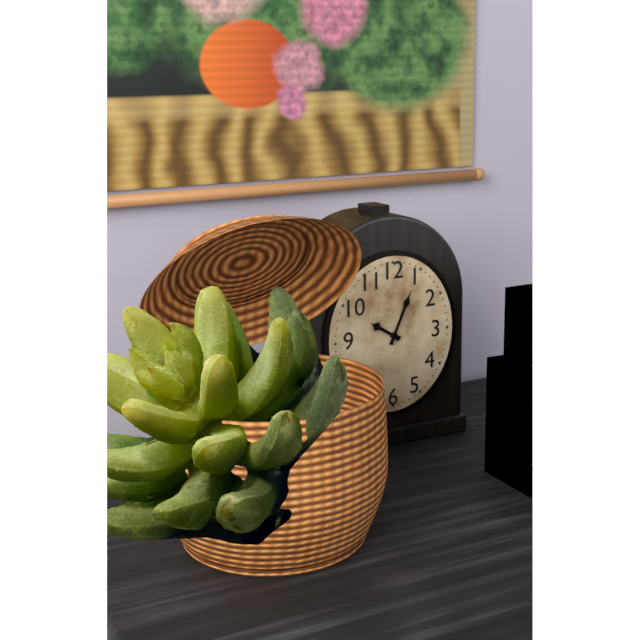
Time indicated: 10:04
